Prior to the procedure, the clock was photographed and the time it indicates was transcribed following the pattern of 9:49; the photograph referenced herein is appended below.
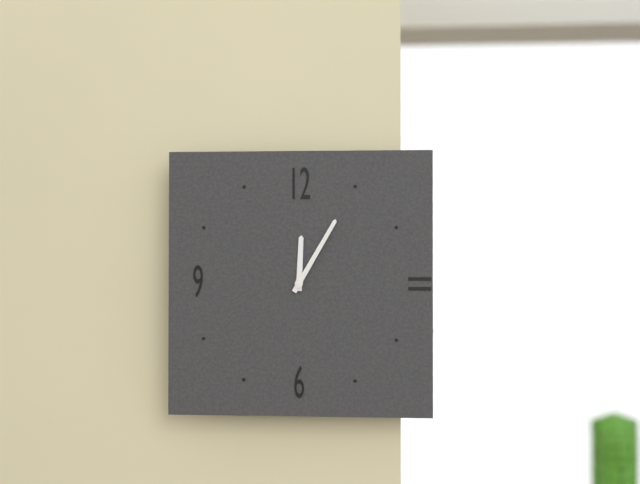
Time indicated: 12:05
